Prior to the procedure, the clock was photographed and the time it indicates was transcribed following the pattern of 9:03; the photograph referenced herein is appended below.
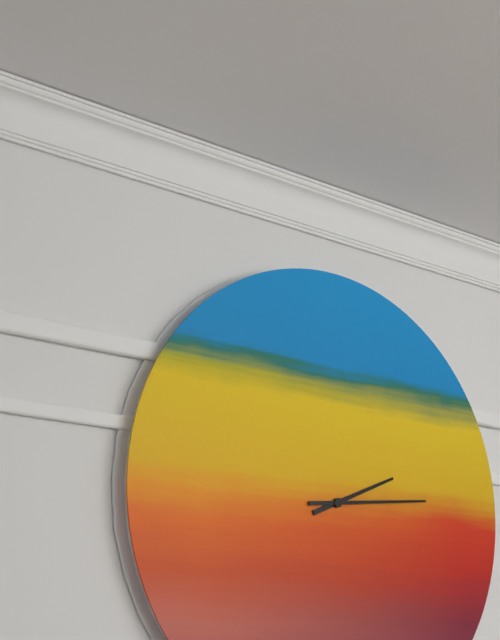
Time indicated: 2:14
